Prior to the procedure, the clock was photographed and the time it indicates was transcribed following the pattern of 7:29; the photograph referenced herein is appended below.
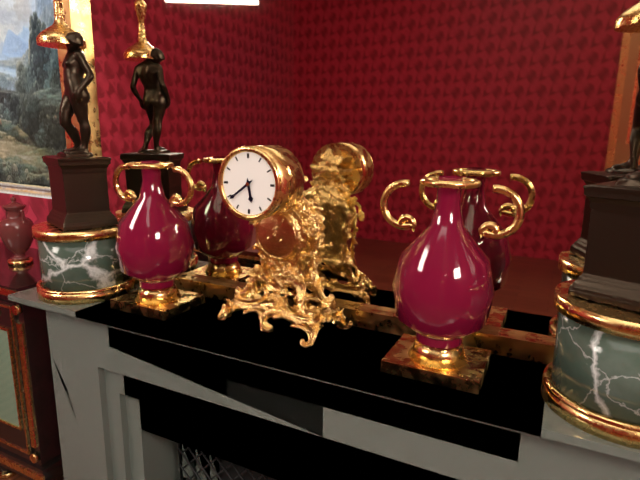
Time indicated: 5:39
